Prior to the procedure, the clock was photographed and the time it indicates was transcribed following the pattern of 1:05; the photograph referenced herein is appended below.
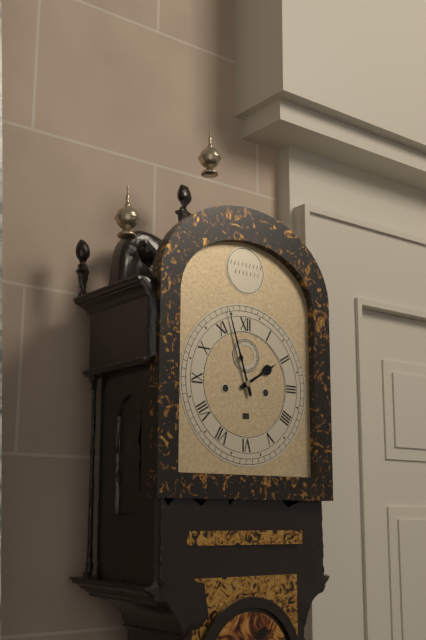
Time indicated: 1:57
